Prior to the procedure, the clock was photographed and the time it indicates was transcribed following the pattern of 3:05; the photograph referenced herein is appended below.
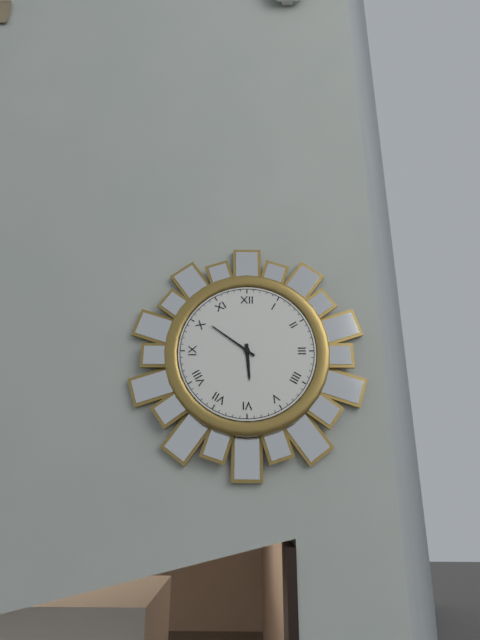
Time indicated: 5:51
